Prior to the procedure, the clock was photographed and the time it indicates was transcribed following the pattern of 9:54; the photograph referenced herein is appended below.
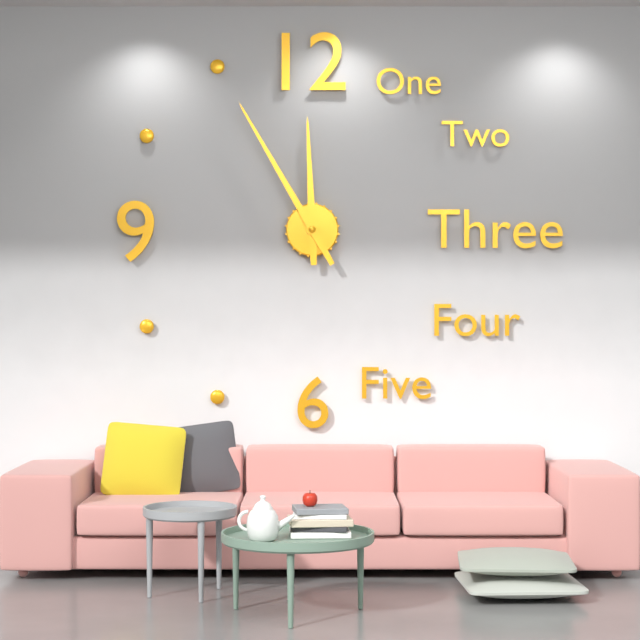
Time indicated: 11:55
